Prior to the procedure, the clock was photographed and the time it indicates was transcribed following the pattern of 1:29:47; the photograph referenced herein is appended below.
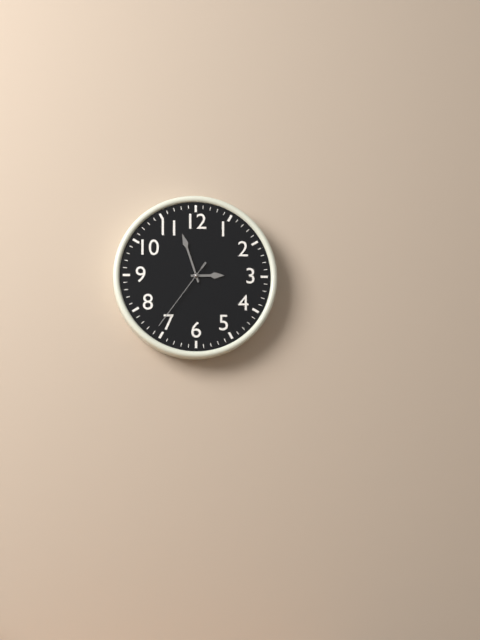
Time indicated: 2:57:36
